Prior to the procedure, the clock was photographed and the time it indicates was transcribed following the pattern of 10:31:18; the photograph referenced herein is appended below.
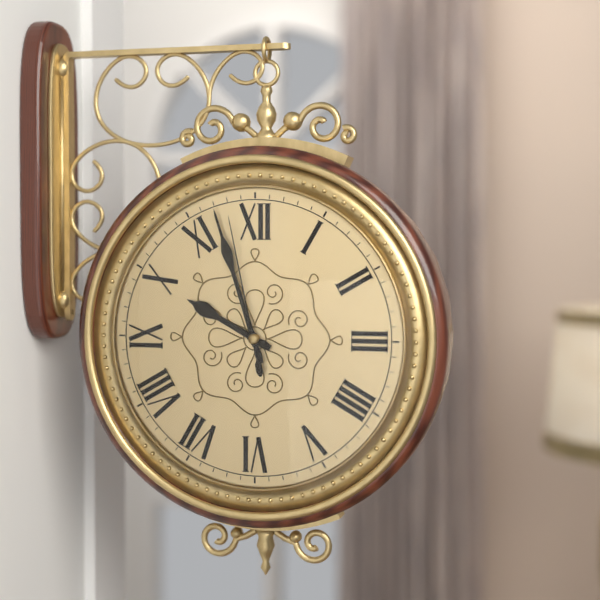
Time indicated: 9:57:58
